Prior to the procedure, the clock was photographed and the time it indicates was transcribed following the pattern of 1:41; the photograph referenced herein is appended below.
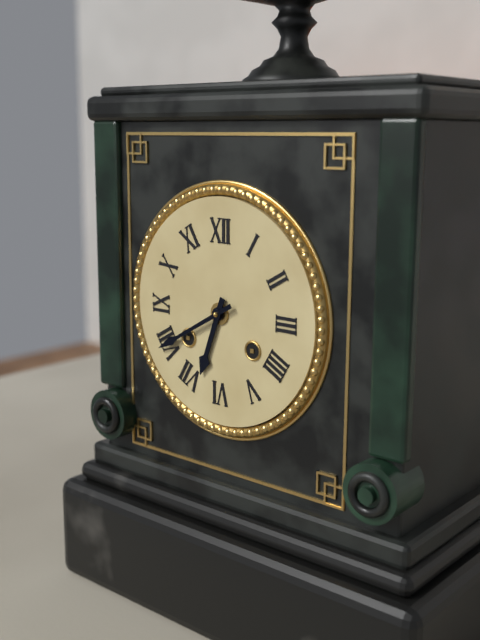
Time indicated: 6:40
